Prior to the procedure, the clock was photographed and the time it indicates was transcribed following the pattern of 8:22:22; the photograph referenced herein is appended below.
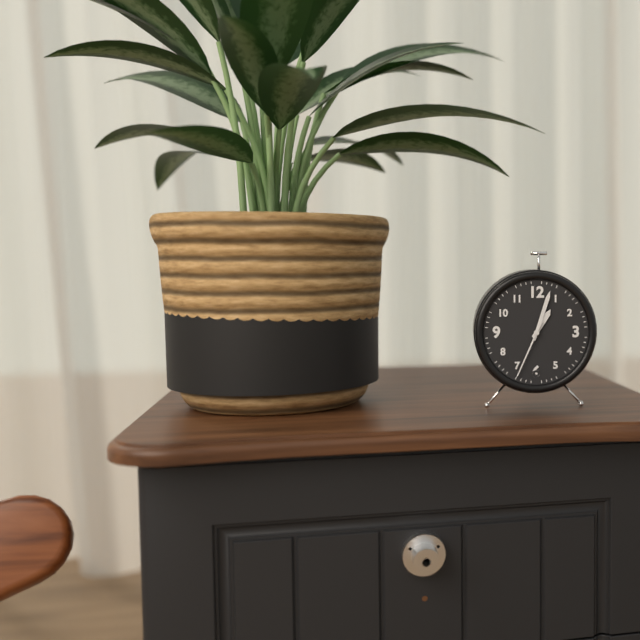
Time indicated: 1:03:34
